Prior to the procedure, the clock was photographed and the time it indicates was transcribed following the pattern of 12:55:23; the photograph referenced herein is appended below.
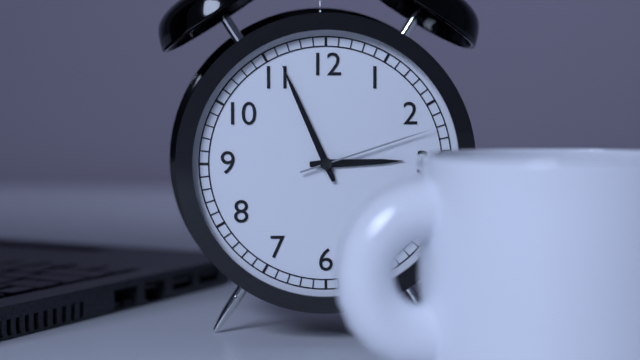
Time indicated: 2:56:12
